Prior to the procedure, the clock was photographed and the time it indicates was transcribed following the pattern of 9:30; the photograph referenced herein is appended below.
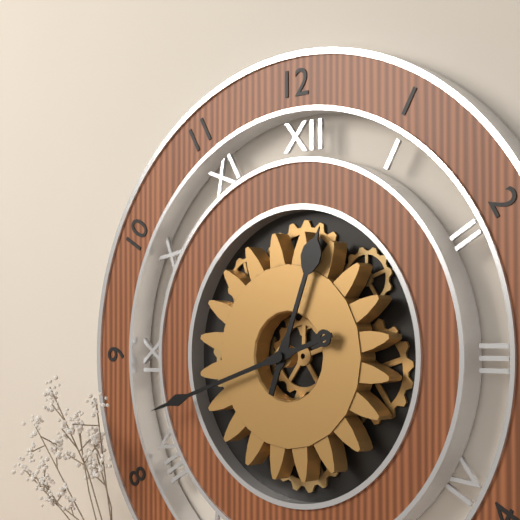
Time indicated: 12:42
